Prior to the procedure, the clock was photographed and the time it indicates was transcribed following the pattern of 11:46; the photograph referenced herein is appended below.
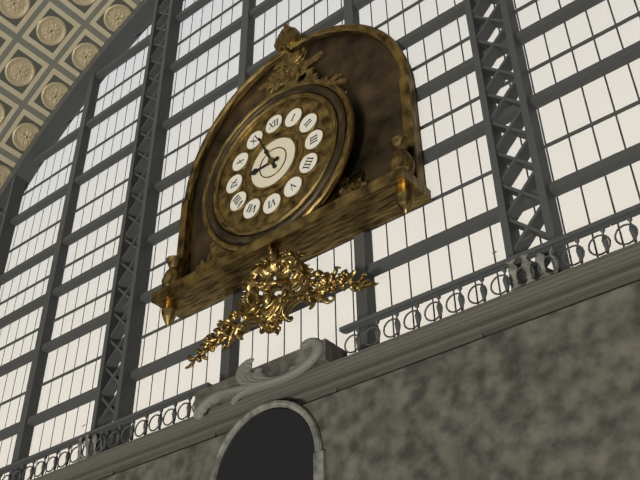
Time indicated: 8:56
